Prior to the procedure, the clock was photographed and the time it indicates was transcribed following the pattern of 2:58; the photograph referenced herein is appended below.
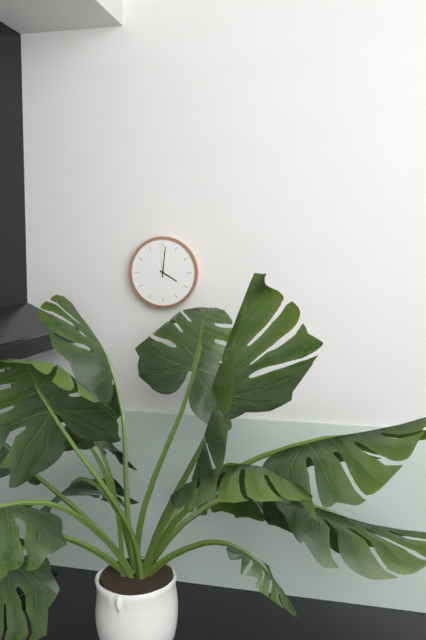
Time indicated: 4:01
